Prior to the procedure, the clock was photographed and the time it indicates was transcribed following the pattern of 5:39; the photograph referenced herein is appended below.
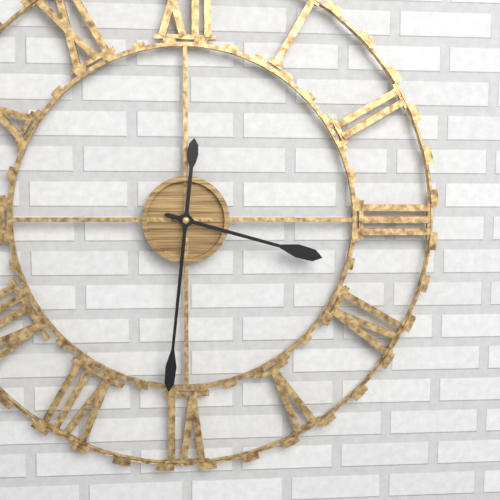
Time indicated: 3:31
